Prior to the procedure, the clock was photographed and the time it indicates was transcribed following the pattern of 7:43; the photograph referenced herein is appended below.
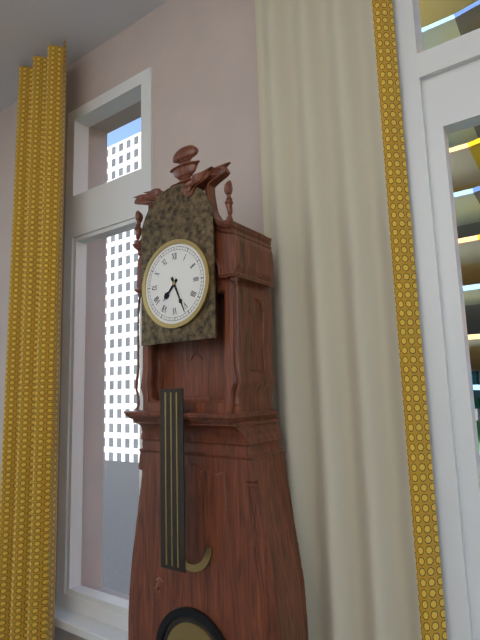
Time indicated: 7:26
